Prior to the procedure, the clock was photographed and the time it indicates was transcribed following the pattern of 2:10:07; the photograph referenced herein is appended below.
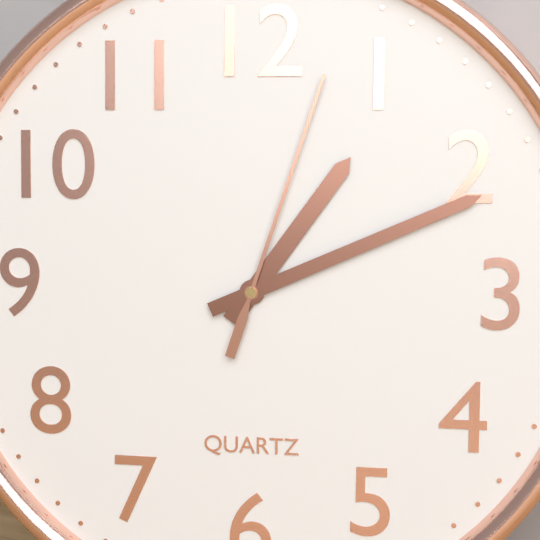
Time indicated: 1:11:03
